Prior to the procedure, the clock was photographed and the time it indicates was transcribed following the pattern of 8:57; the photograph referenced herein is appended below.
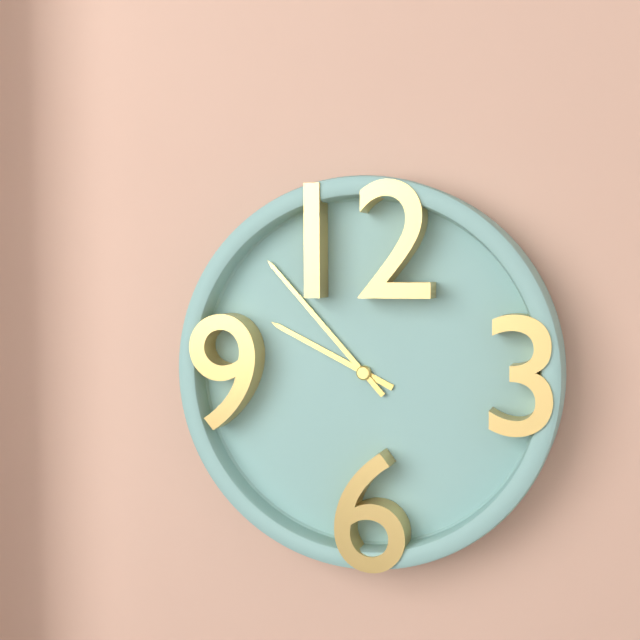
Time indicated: 9:53
